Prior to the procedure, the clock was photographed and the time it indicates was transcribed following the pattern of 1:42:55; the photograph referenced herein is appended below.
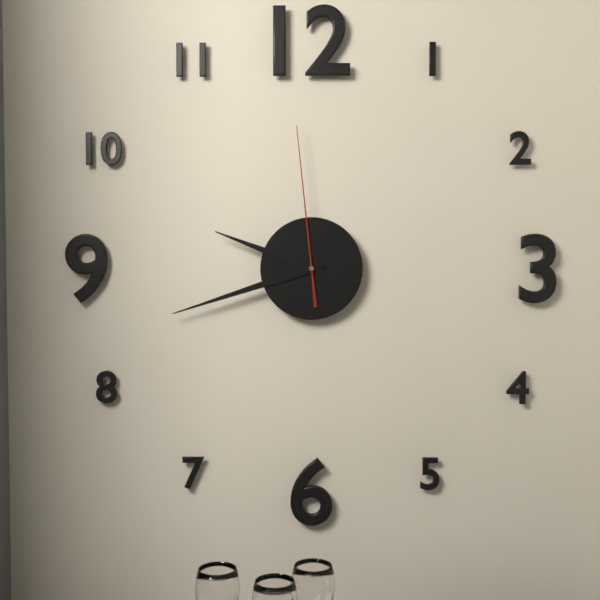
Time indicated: 9:42:59
